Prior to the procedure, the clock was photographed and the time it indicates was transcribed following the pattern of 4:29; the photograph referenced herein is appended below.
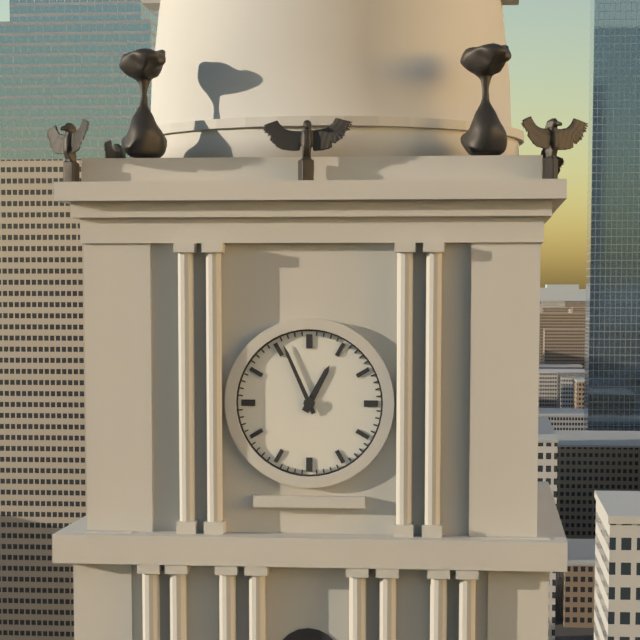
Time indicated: 12:56
